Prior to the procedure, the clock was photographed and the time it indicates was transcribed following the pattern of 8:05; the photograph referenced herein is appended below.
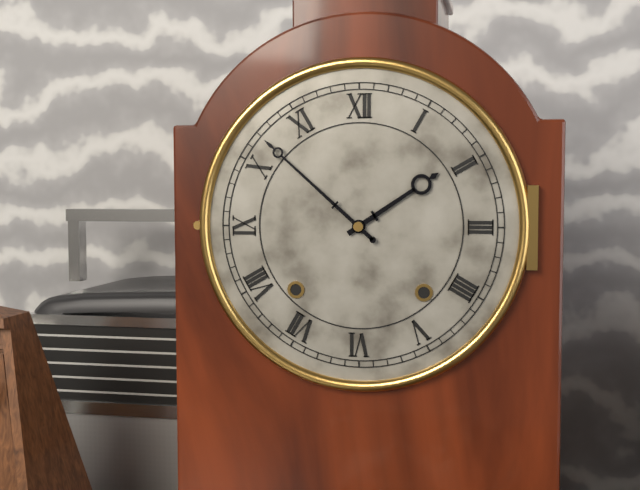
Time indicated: 1:52
